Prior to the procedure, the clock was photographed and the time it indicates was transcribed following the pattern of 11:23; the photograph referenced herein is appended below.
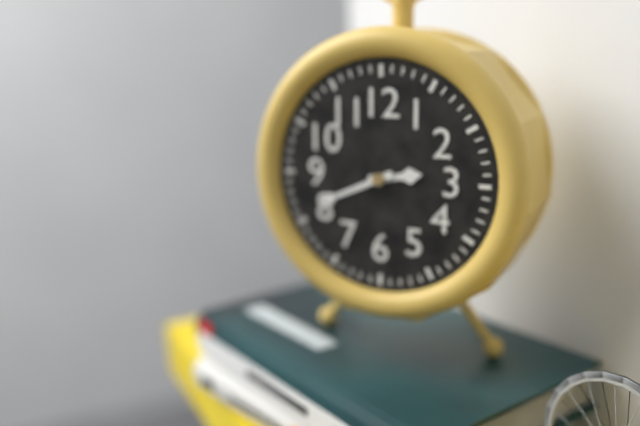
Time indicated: 2:41
